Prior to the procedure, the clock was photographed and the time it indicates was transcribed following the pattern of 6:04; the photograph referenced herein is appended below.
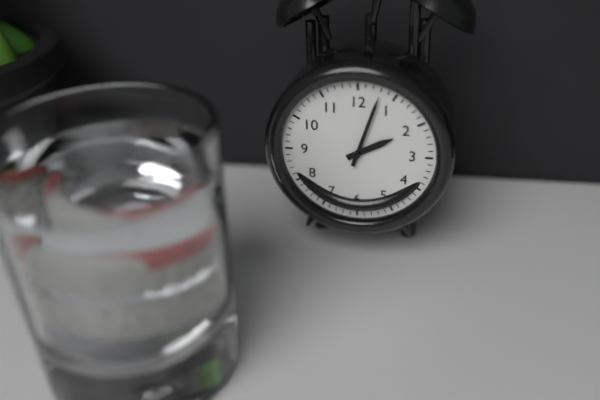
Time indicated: 2:03
